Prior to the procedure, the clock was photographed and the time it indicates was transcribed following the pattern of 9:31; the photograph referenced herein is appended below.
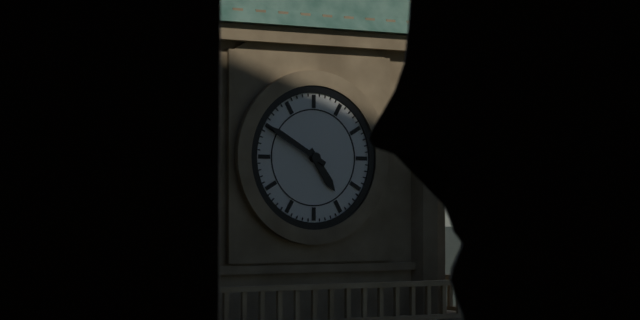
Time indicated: 4:50
